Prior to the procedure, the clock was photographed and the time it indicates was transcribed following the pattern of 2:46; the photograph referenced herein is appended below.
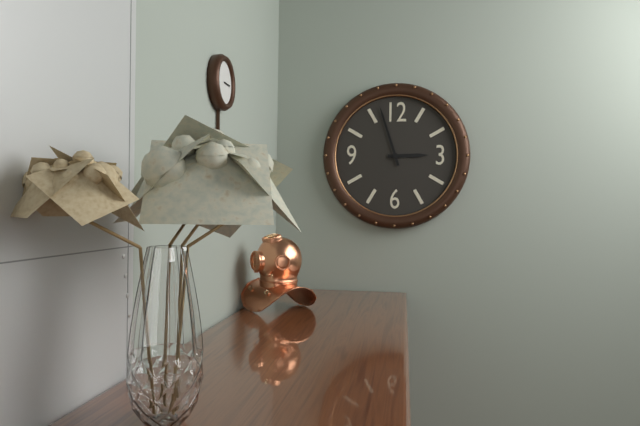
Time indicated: 2:57
